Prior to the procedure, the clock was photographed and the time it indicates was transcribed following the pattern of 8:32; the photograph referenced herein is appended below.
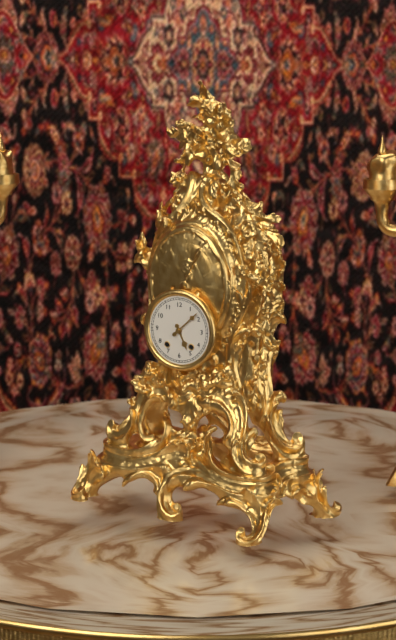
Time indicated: 5:08
